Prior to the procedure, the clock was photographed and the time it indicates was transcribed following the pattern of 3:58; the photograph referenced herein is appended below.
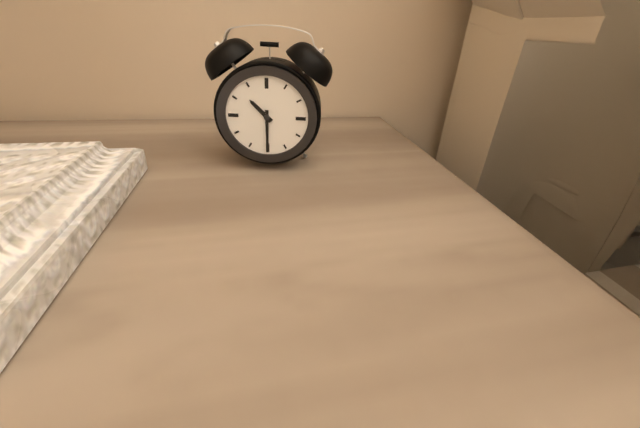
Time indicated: 10:30
